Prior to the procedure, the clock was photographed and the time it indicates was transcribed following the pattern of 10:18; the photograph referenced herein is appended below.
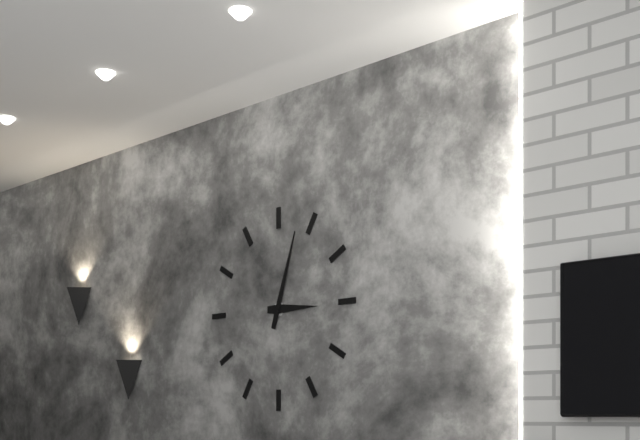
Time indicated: 3:03
